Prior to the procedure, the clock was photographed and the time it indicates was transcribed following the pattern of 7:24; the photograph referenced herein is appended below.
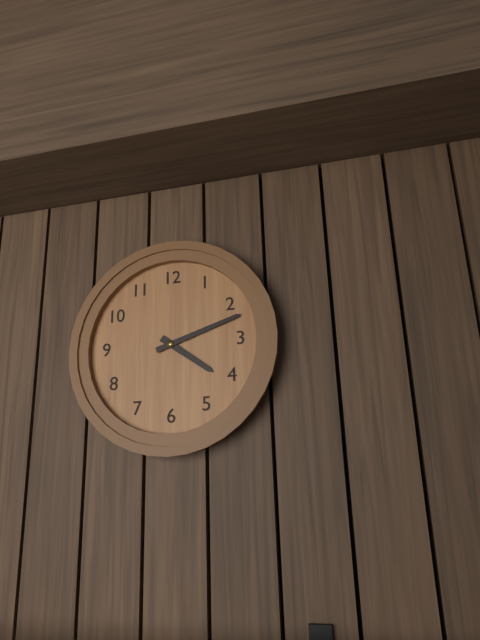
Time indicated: 4:12
